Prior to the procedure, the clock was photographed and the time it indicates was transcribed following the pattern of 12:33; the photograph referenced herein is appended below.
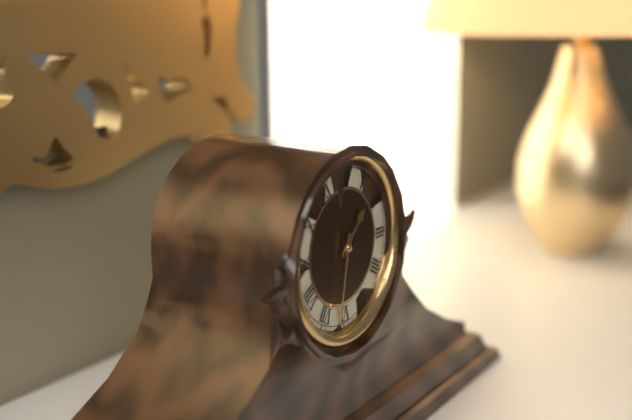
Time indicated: 1:32
